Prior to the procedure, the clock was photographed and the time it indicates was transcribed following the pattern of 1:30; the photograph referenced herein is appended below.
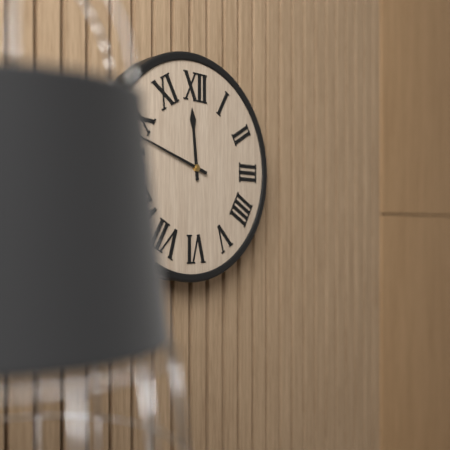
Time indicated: 11:48
